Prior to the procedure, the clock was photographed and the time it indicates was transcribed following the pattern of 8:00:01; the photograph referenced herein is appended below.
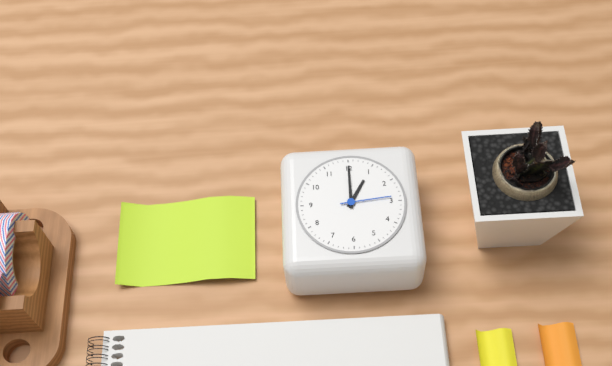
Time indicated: 1:00:14
